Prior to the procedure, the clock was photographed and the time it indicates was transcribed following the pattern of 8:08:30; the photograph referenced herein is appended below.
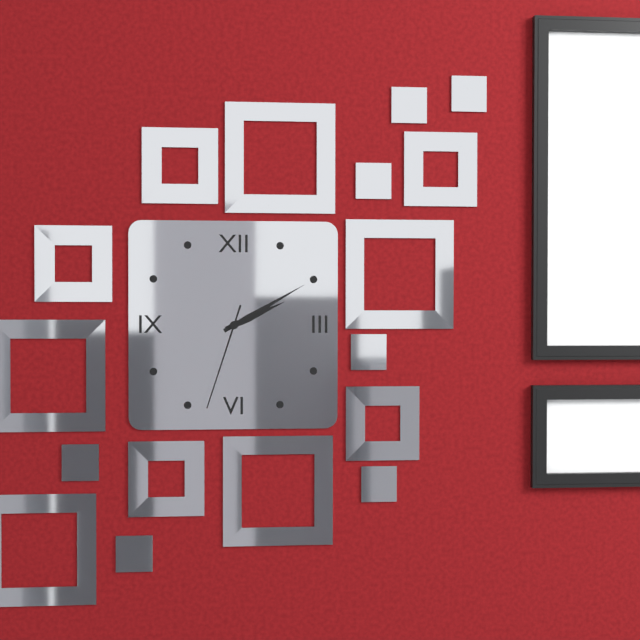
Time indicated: 2:10:33
